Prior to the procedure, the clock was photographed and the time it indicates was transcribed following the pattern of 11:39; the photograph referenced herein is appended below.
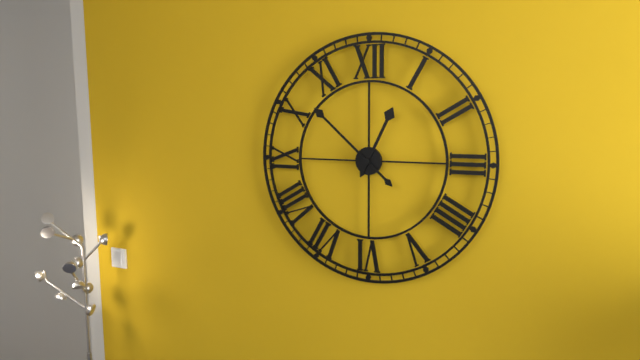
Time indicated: 12:52
